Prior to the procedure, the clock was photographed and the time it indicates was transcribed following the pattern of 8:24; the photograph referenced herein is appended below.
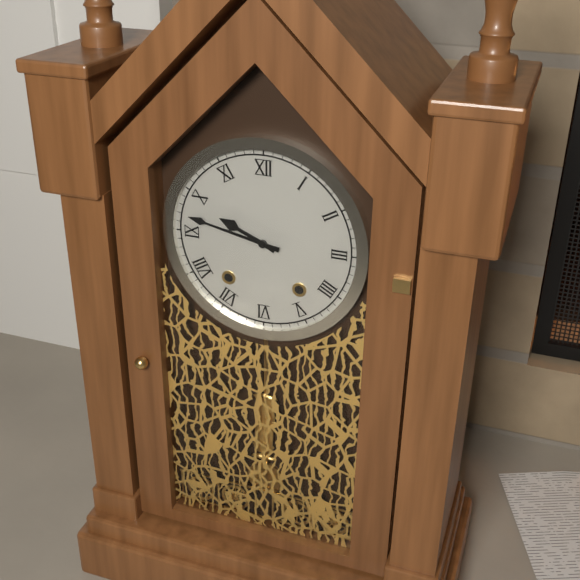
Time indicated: 9:47
